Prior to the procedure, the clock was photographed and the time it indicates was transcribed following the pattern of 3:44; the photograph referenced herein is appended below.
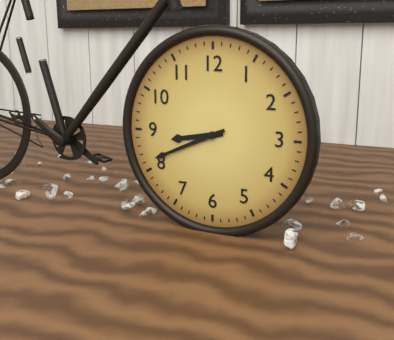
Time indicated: 8:41
